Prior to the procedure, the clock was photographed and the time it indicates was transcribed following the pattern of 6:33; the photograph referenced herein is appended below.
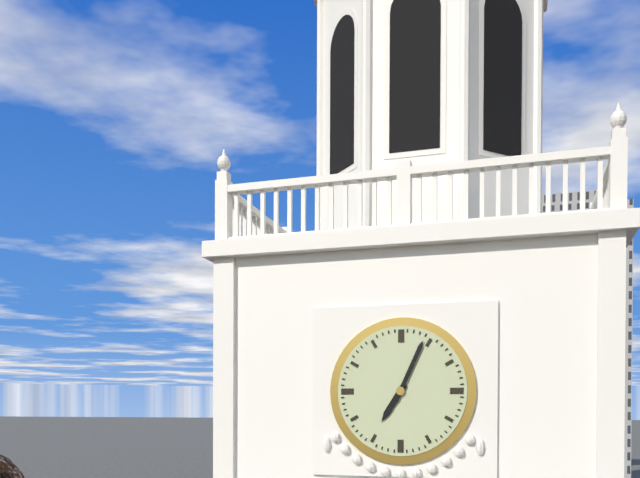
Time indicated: 7:04
